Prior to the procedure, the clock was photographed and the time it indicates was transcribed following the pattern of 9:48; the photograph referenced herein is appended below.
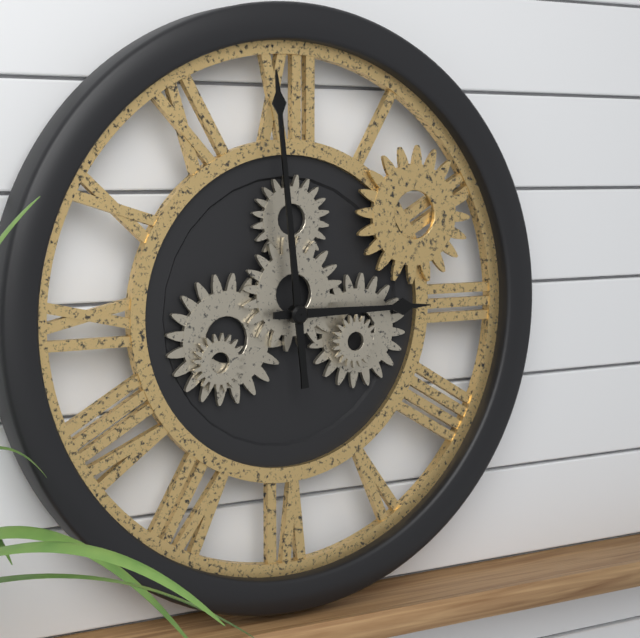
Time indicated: 2:59
